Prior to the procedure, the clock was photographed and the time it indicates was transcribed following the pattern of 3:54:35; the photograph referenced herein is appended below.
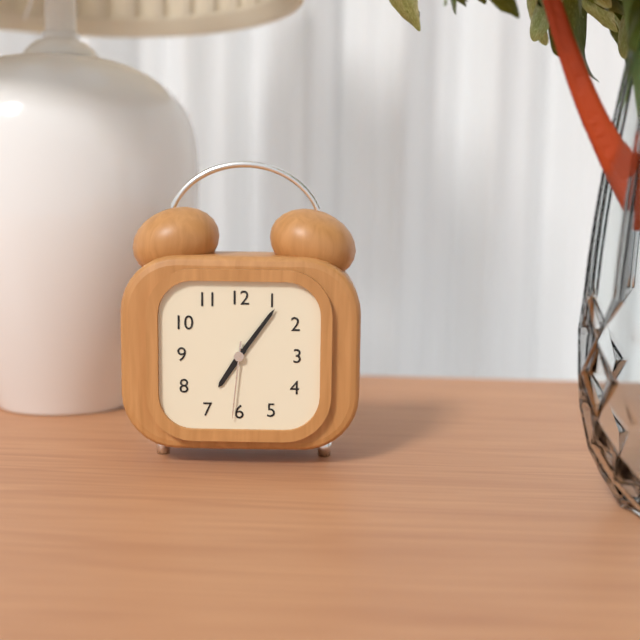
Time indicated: 7:06:31
